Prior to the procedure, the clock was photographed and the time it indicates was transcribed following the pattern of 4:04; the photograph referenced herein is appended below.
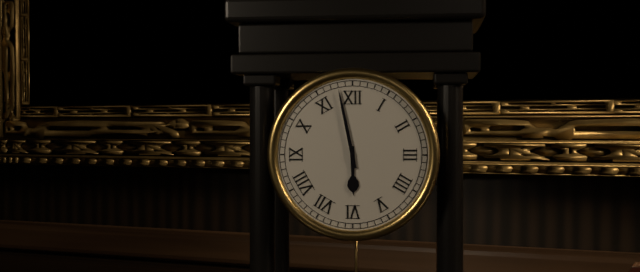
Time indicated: 5:58
